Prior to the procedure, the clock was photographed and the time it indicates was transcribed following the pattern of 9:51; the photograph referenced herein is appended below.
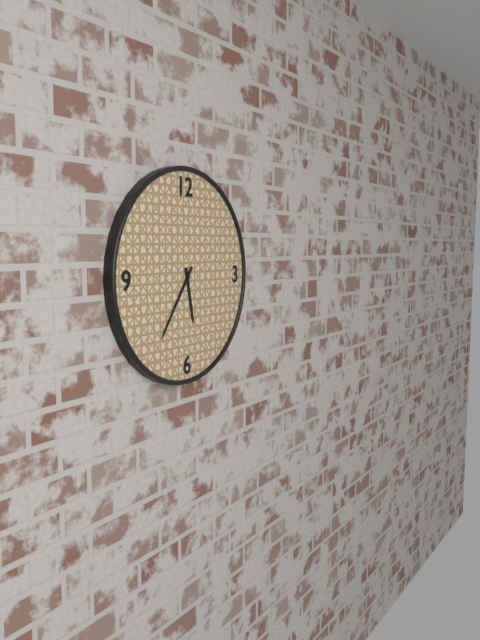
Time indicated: 5:36
